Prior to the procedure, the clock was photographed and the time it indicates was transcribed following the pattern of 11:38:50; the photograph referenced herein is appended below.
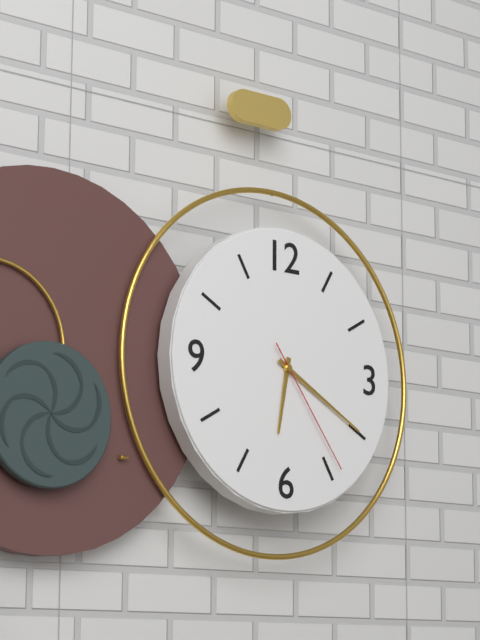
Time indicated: 6:20:24
